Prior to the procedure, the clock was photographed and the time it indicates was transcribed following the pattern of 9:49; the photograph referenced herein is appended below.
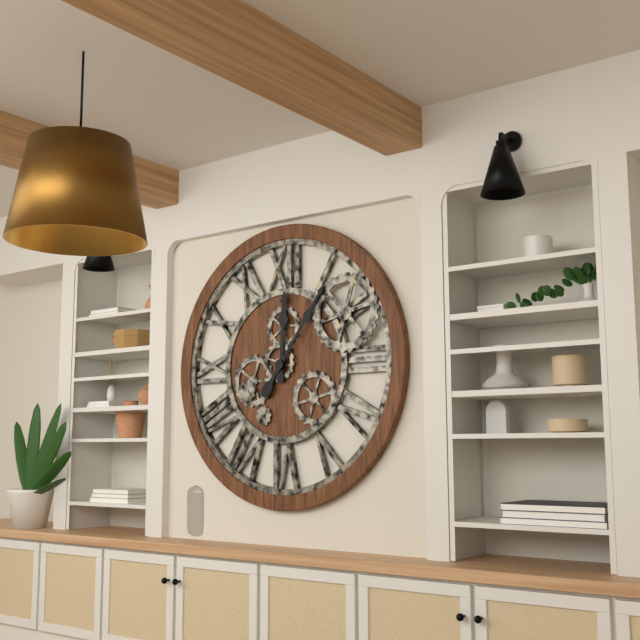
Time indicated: 12:06
